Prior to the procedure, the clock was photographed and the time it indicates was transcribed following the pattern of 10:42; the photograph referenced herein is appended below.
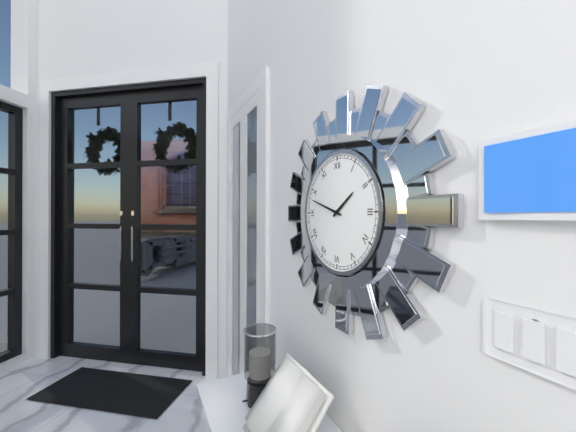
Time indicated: 1:48
